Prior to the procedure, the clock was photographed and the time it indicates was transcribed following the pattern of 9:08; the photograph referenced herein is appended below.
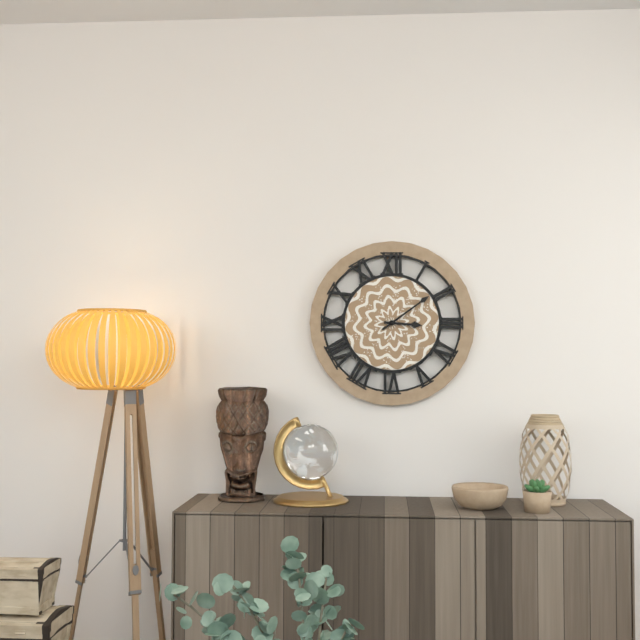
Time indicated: 3:09
